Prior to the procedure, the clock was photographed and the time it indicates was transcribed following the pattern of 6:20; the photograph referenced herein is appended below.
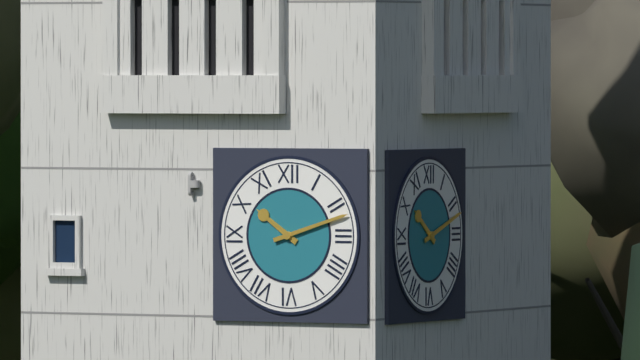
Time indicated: 10:12
